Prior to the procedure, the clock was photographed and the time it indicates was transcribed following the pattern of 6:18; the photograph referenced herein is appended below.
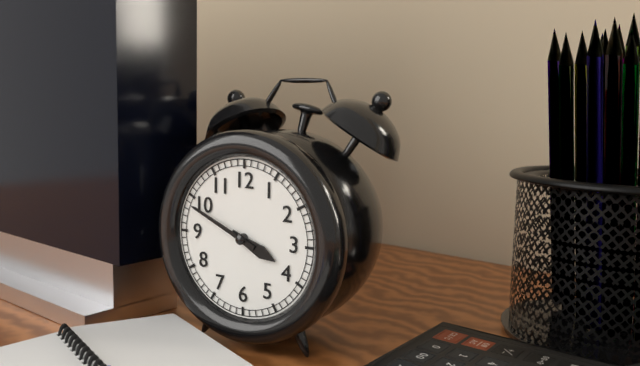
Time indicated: 3:49
